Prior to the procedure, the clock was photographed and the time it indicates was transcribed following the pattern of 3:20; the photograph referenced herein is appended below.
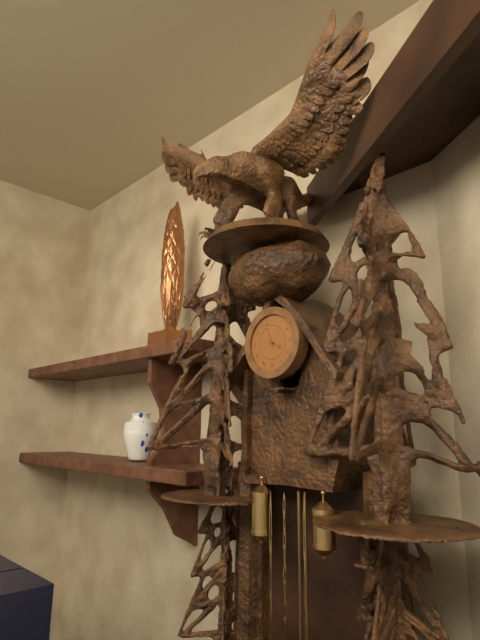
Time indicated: 3:57
